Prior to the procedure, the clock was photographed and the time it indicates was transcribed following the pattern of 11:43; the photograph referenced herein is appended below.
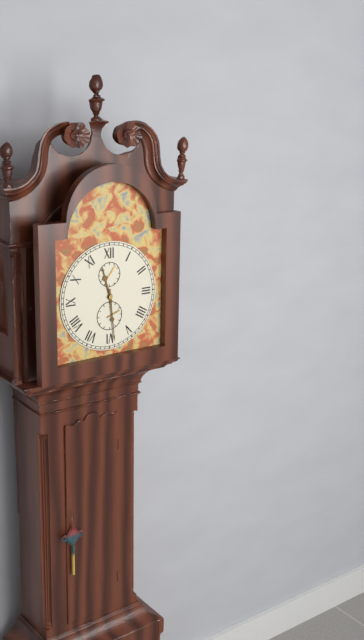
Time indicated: 11:29
